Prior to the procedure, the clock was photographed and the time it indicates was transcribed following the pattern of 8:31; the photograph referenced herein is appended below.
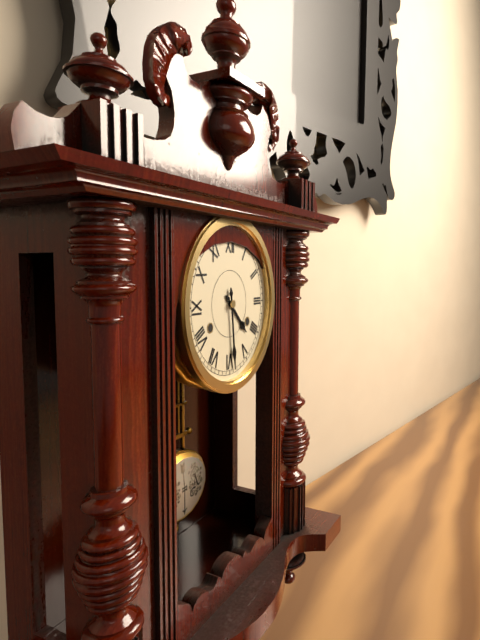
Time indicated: 4:29
